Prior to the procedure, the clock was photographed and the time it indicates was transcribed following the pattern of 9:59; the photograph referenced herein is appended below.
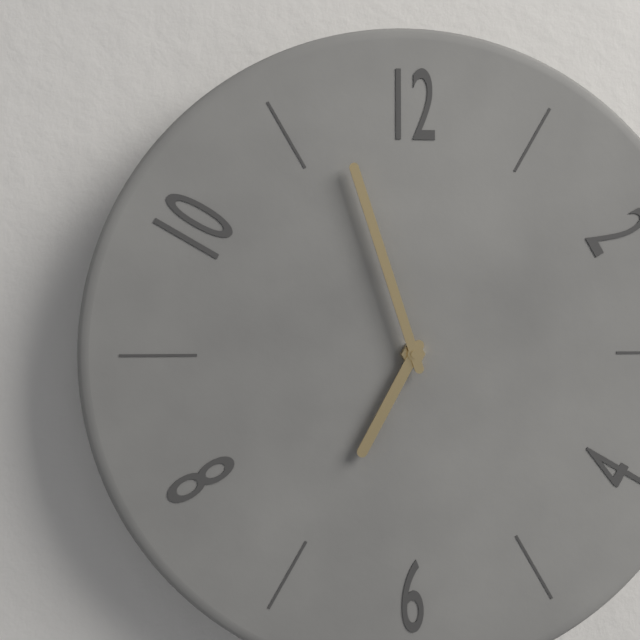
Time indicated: 6:57
